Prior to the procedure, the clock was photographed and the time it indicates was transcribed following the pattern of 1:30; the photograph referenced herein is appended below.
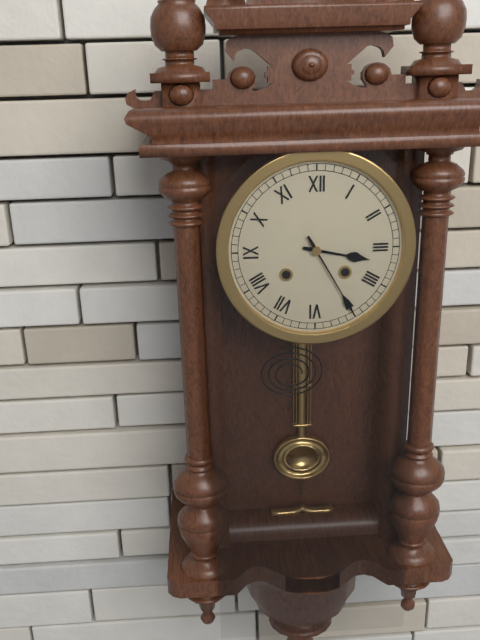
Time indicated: 3:25
